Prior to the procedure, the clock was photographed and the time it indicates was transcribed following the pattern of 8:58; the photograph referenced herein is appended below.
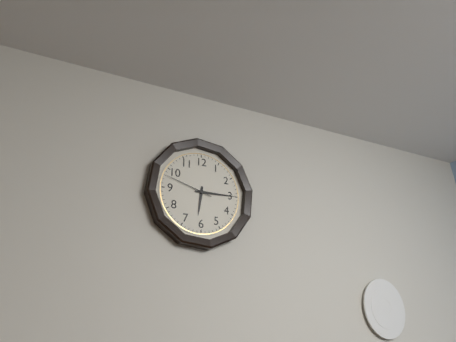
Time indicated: 6:15
